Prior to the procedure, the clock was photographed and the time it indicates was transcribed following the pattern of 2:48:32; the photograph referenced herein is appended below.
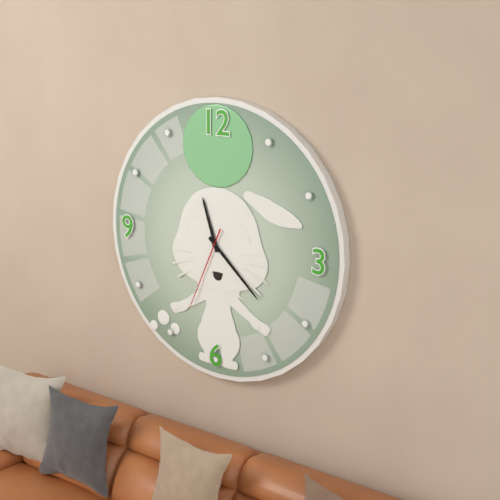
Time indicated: 11:22:34
